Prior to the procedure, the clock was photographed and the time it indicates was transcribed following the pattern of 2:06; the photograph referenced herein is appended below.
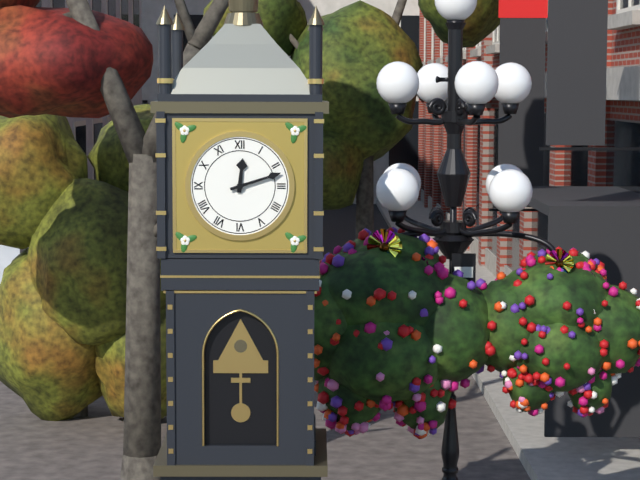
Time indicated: 12:12
